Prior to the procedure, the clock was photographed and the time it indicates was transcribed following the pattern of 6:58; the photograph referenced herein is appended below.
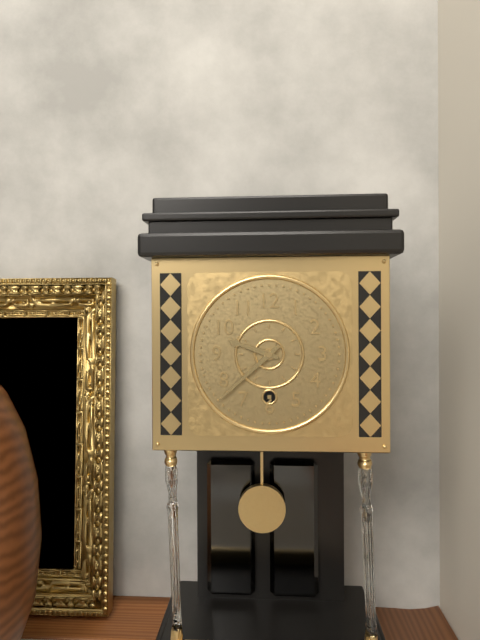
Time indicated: 9:38
